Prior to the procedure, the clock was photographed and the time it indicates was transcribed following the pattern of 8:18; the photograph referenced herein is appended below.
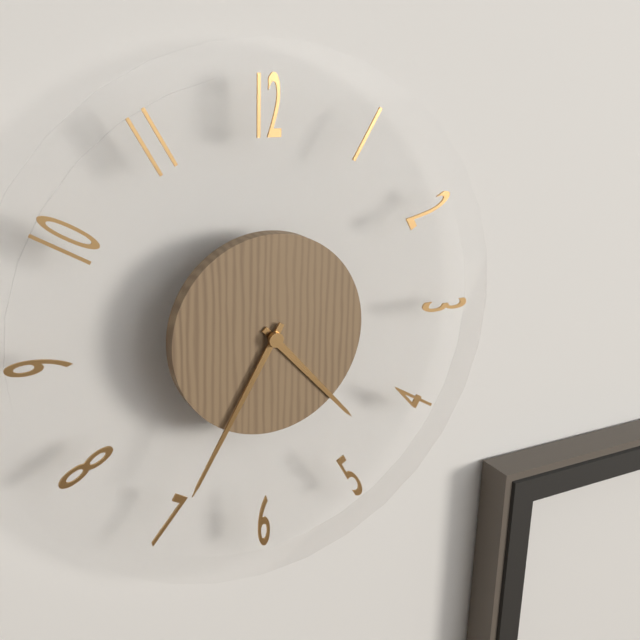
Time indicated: 4:35
